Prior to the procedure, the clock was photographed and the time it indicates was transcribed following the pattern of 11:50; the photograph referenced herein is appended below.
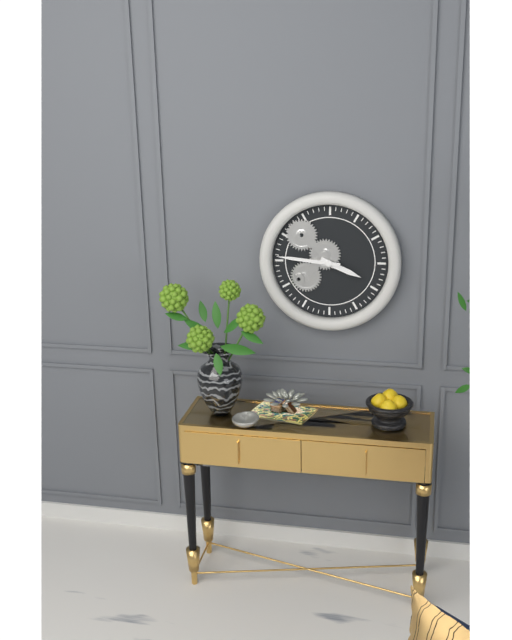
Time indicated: 3:46
